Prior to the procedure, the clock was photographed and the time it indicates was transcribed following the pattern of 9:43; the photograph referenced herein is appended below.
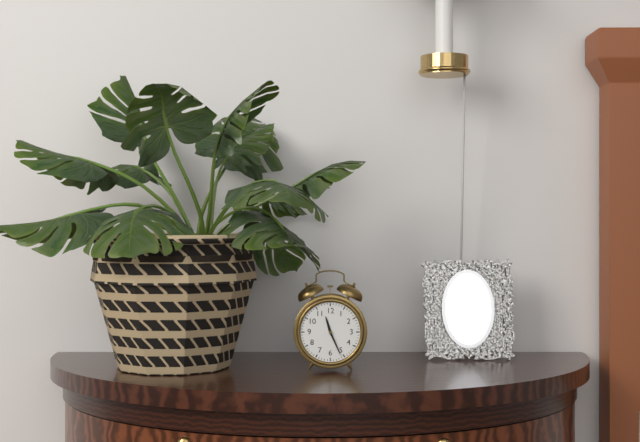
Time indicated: 11:26
